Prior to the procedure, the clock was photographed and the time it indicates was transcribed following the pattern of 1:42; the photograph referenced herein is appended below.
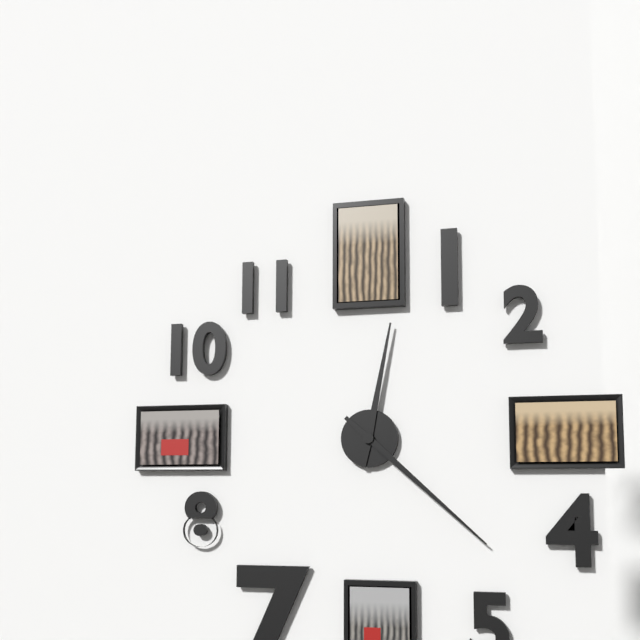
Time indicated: 12:22
